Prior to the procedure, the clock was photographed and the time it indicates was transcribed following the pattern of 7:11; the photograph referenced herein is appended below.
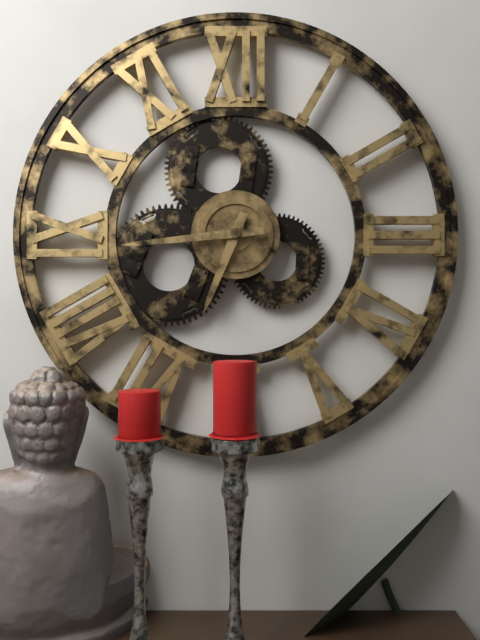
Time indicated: 6:44
